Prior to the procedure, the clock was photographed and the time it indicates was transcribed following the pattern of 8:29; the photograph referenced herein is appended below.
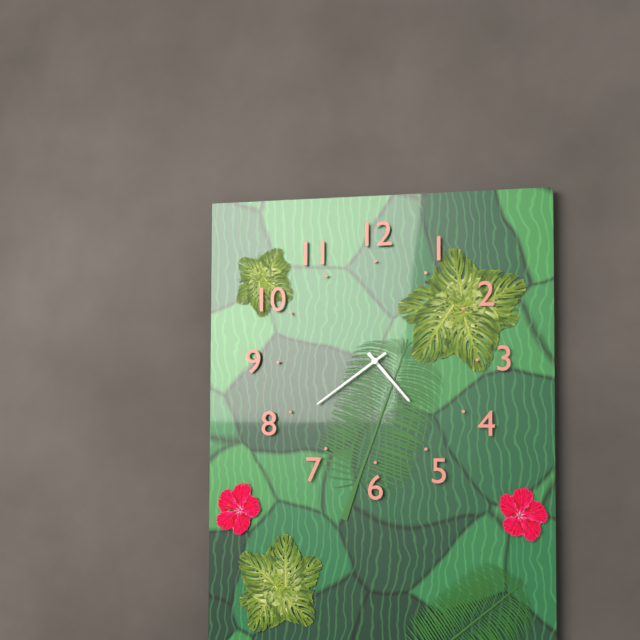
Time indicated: 4:39
